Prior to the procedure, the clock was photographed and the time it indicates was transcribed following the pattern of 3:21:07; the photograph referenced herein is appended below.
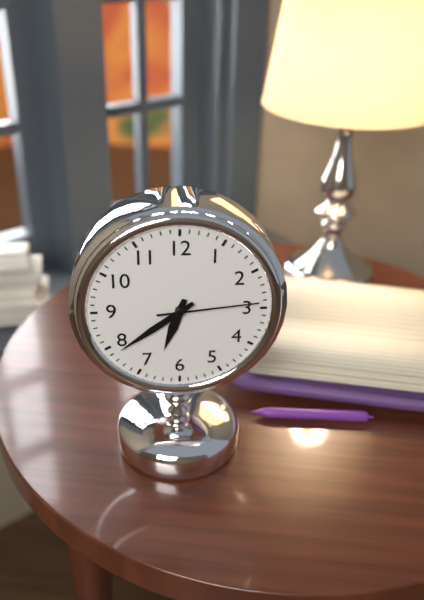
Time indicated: 6:39:14
